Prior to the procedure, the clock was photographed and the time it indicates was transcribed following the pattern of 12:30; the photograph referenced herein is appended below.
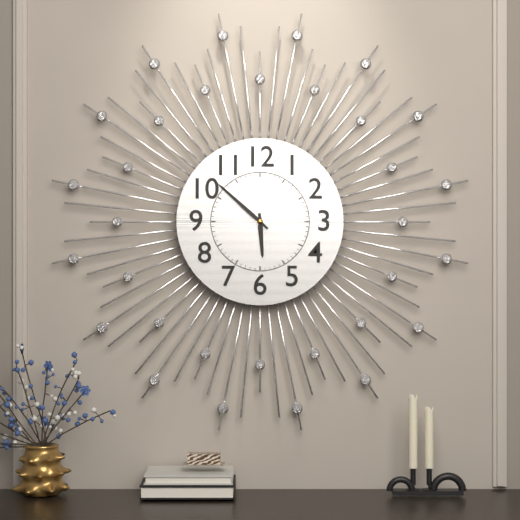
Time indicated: 5:52
